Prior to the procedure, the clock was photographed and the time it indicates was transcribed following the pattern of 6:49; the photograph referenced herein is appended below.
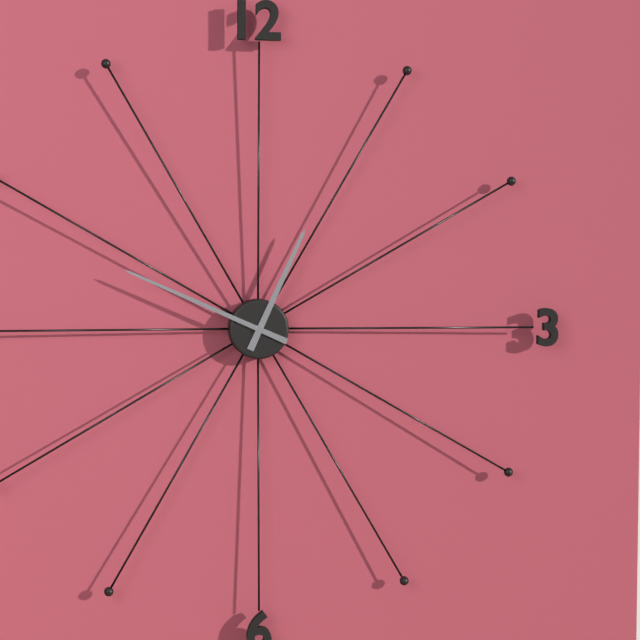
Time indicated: 12:49
